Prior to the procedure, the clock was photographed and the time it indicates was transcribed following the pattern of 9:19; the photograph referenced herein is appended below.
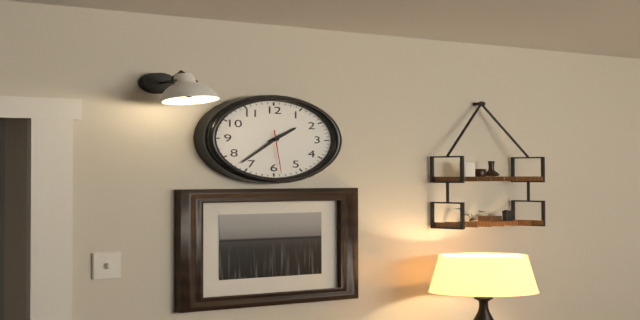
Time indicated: 1:37
